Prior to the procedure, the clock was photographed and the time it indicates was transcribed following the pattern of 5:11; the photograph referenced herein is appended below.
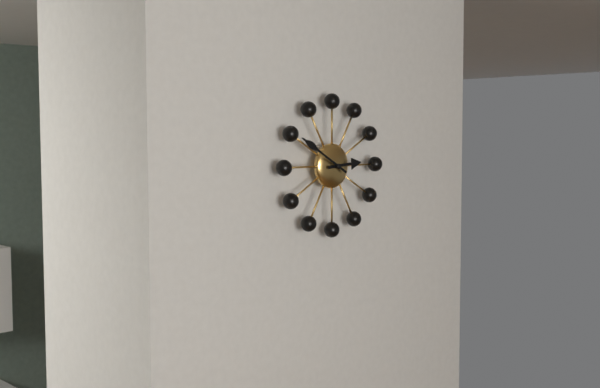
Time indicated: 2:50
